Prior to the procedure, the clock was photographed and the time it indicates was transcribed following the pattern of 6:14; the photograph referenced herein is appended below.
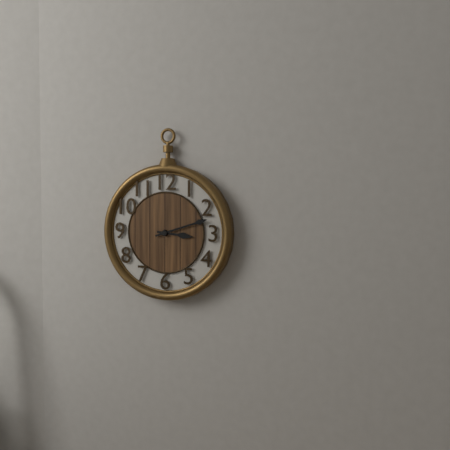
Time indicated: 3:12
